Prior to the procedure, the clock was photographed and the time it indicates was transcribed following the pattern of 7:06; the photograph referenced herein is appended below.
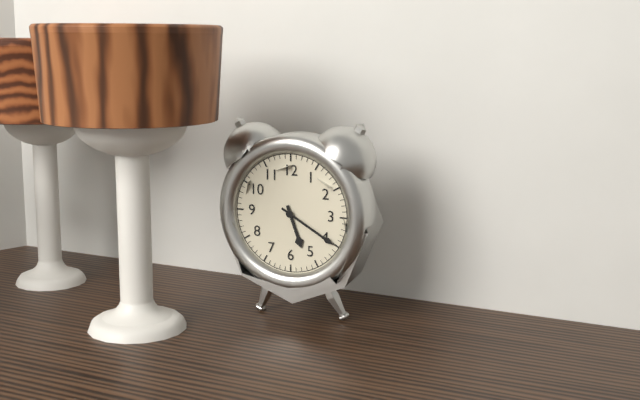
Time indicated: 5:20
